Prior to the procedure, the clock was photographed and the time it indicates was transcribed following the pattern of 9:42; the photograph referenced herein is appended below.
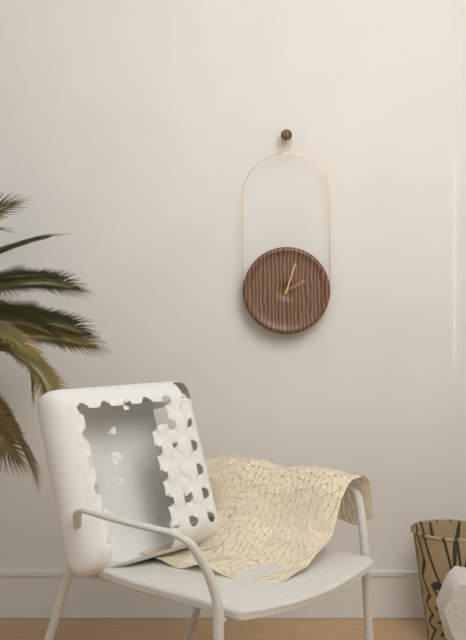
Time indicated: 2:03
